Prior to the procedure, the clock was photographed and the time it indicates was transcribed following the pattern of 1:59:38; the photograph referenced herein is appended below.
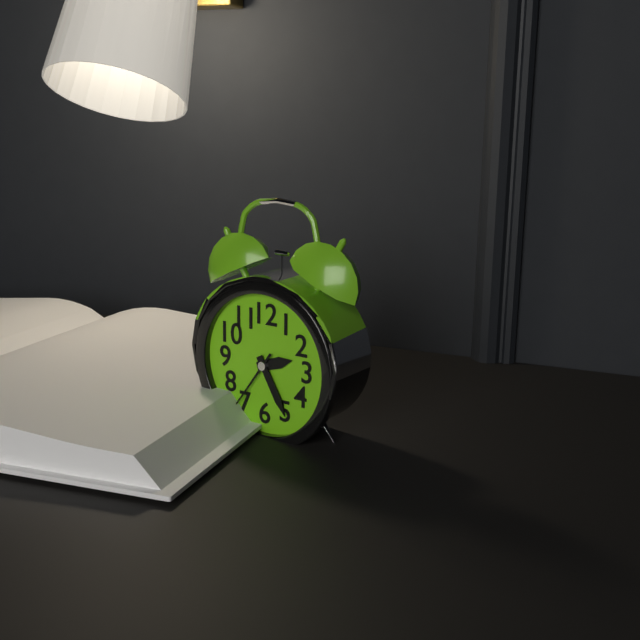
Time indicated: 2:25:36
